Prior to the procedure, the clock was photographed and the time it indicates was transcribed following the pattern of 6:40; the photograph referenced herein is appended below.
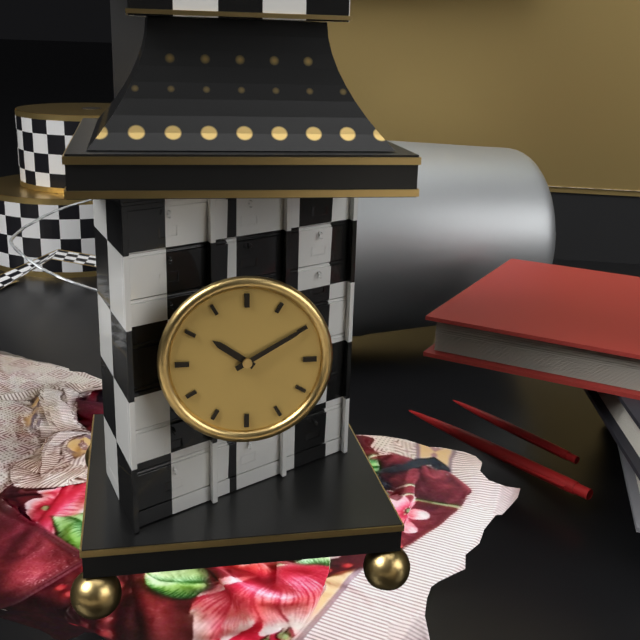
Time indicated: 10:10
